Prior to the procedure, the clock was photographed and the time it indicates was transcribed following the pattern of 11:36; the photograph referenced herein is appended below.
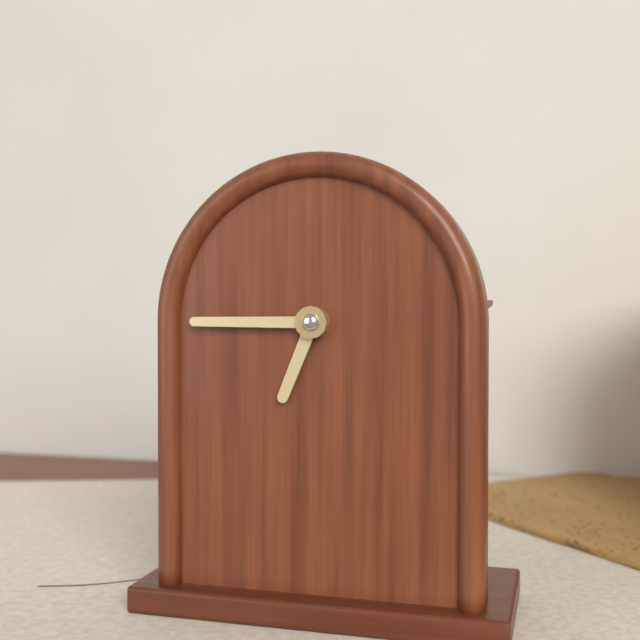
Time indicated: 6:45
